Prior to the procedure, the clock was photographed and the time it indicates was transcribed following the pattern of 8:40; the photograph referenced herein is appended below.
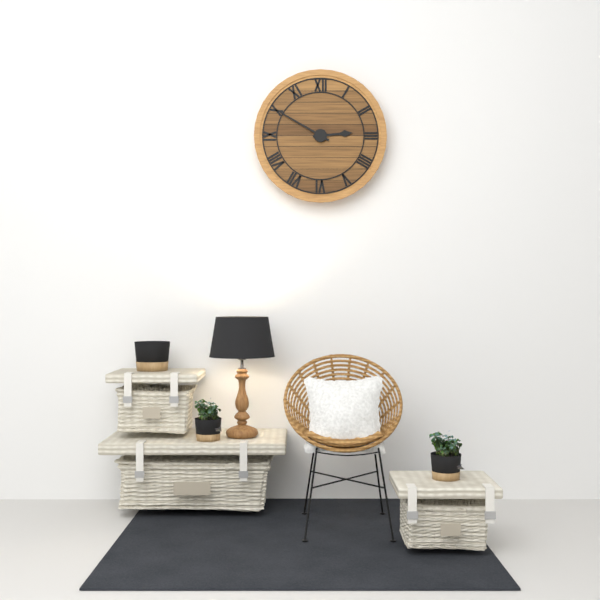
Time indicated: 2:50
